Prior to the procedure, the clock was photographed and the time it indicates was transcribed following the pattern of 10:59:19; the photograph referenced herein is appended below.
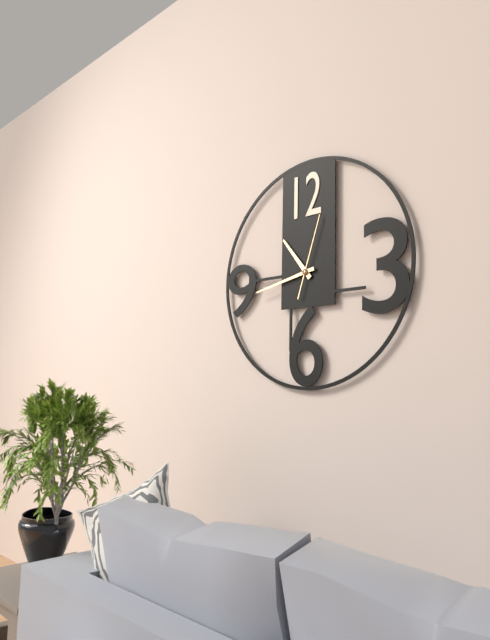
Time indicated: 10:43:03
